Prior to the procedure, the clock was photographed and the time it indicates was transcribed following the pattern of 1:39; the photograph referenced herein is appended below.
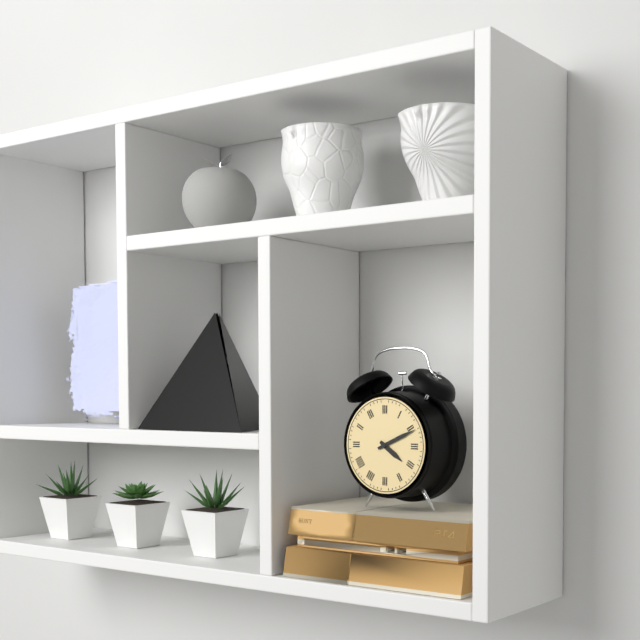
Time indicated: 4:11
